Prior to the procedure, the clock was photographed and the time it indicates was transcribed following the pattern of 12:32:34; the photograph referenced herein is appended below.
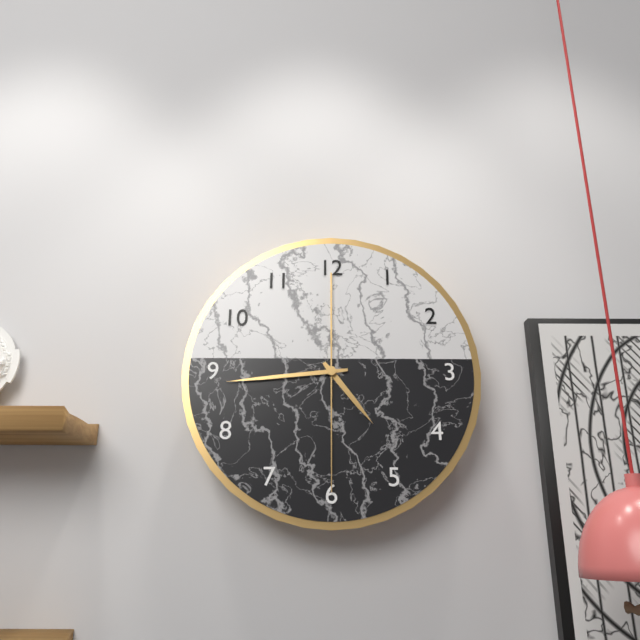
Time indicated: 4:44:30
